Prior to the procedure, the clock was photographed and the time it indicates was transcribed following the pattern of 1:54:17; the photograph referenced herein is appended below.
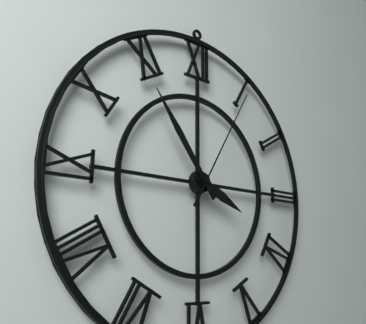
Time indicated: 3:54:05
